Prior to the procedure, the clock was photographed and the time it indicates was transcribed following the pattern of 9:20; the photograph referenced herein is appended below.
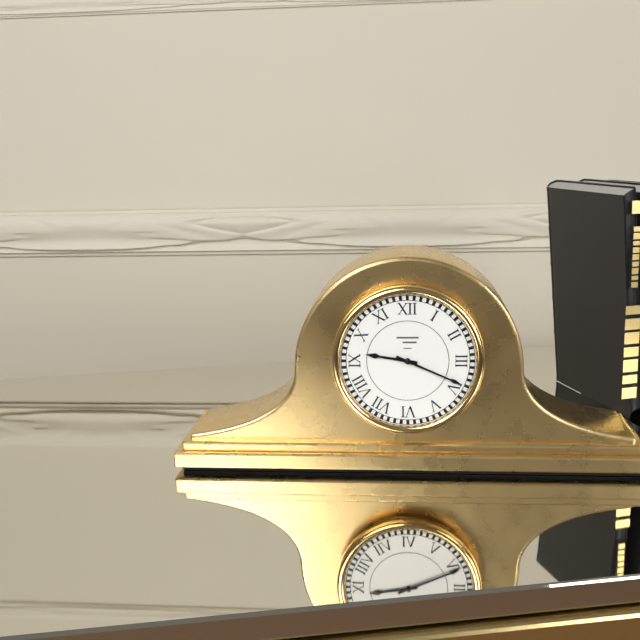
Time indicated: 9:19
